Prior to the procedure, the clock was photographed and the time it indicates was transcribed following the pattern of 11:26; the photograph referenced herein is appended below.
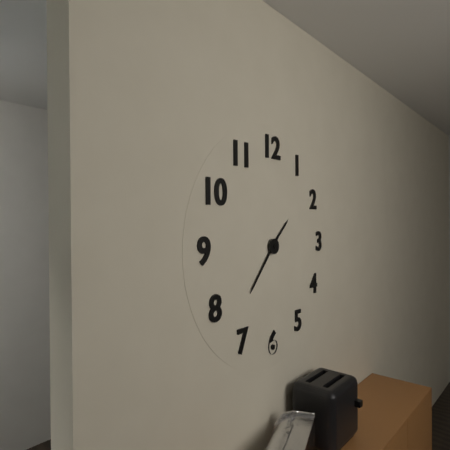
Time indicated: 1:37
